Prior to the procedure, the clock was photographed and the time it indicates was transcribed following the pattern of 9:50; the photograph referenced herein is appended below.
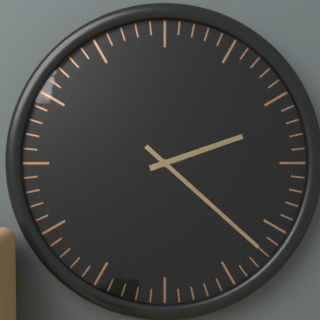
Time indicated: 2:22
